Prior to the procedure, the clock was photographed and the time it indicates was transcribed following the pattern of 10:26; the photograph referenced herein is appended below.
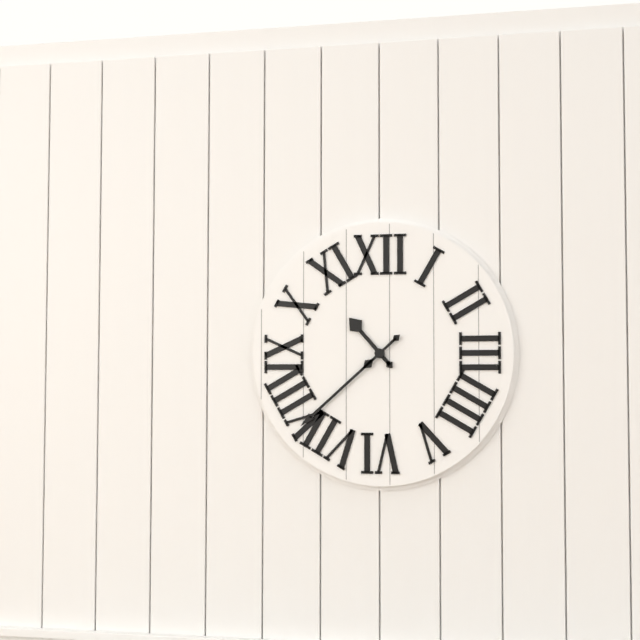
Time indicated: 10:38
